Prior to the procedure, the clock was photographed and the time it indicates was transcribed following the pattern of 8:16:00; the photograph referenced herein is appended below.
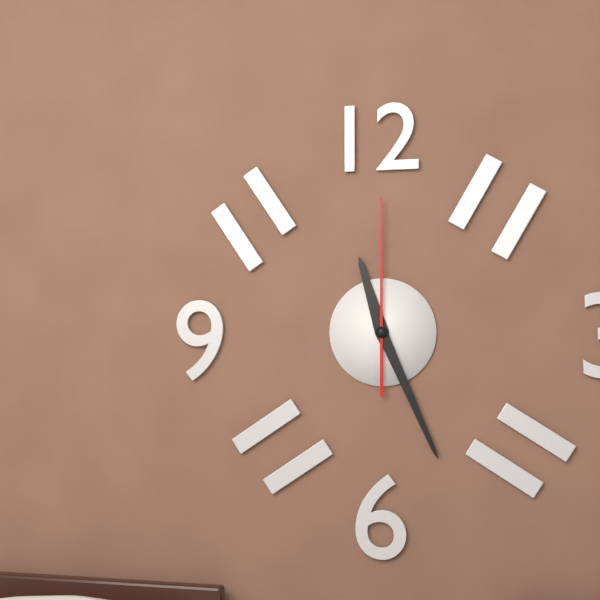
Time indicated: 11:26:00
